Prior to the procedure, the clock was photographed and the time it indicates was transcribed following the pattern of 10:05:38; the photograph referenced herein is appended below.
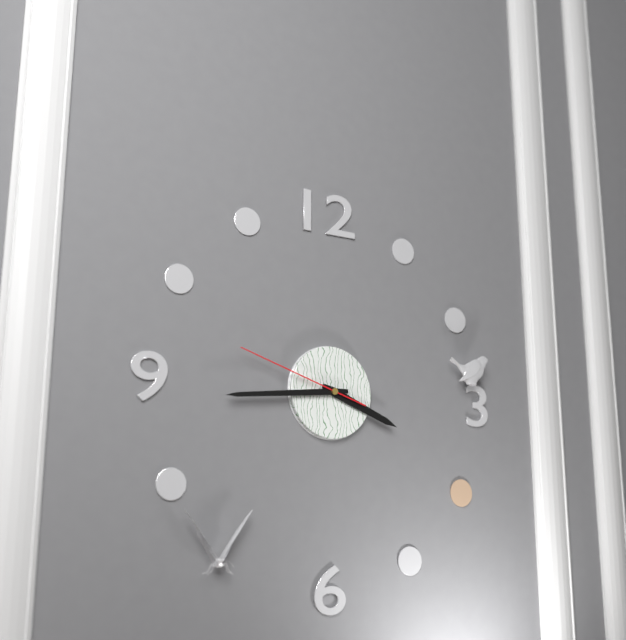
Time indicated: 3:44:48
